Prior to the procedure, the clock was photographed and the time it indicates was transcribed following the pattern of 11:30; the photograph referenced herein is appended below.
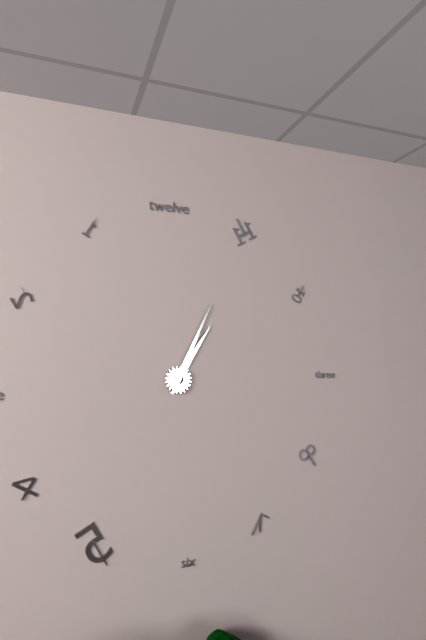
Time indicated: 1:04
